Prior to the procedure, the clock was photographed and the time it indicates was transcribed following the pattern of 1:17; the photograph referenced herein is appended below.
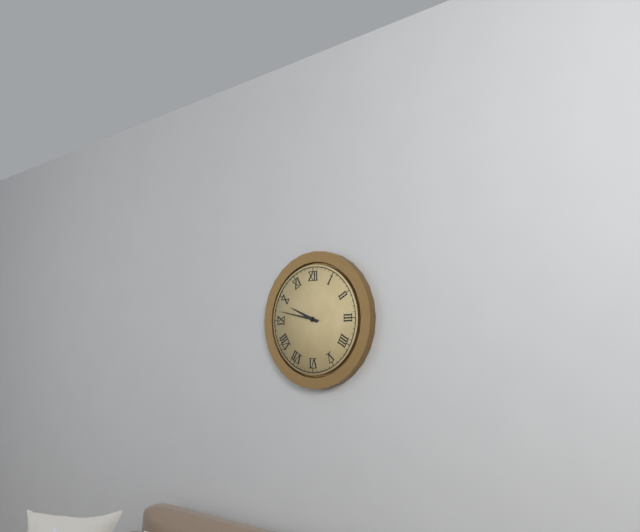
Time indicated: 9:47
